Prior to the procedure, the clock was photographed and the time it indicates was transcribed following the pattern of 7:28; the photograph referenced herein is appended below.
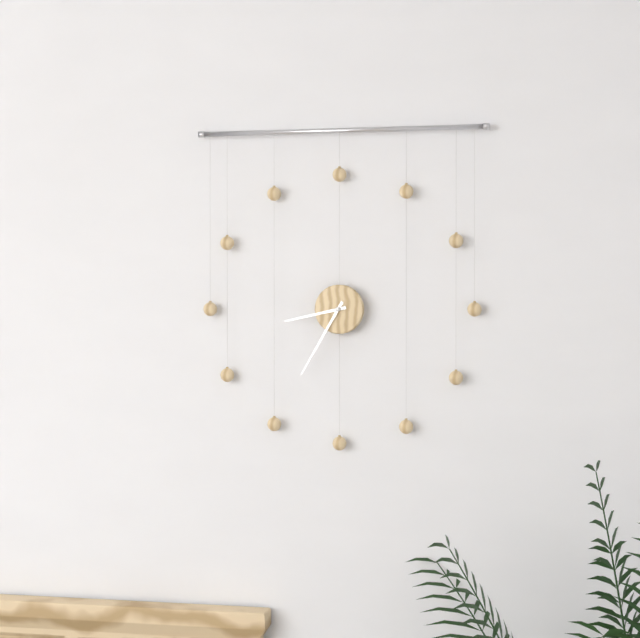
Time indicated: 8:35
